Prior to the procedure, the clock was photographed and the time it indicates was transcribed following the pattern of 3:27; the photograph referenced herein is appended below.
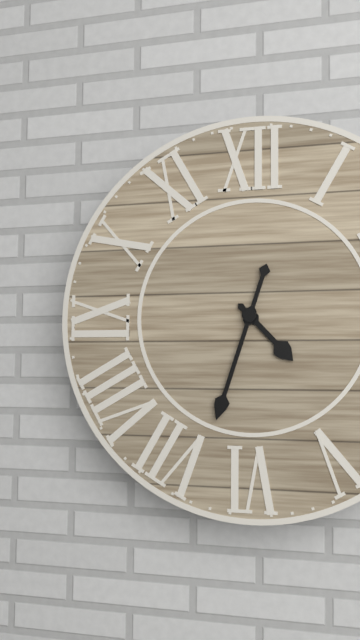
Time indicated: 4:33
